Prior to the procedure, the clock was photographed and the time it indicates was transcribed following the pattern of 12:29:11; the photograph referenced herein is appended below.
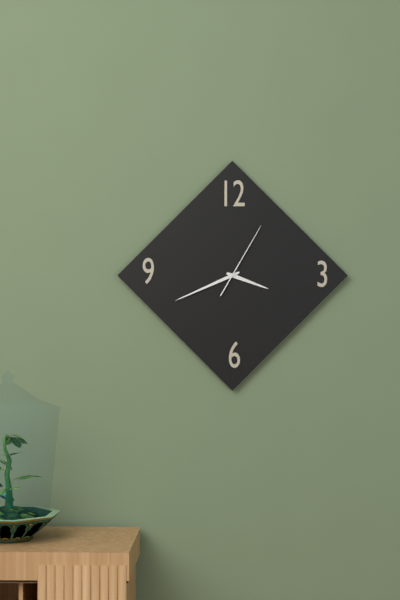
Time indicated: 3:41:05
